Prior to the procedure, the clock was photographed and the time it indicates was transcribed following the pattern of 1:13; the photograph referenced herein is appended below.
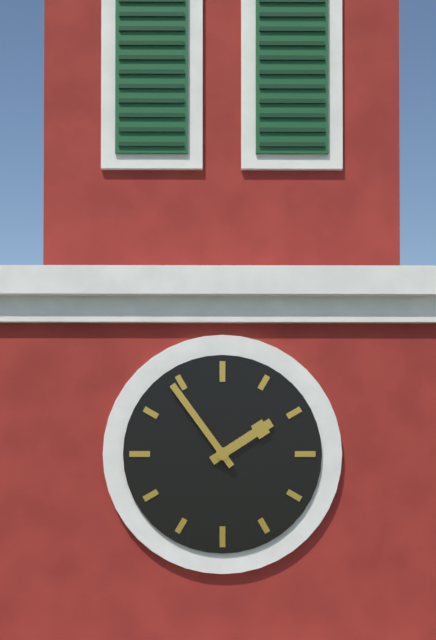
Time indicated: 1:54
